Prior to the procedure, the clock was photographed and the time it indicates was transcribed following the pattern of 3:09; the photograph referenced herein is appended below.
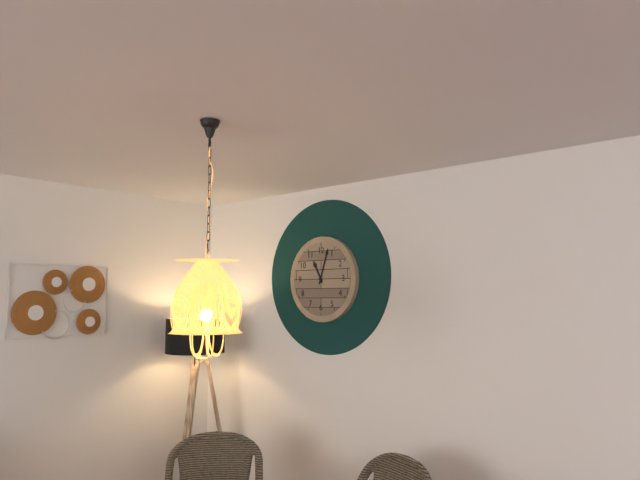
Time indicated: 11:03
